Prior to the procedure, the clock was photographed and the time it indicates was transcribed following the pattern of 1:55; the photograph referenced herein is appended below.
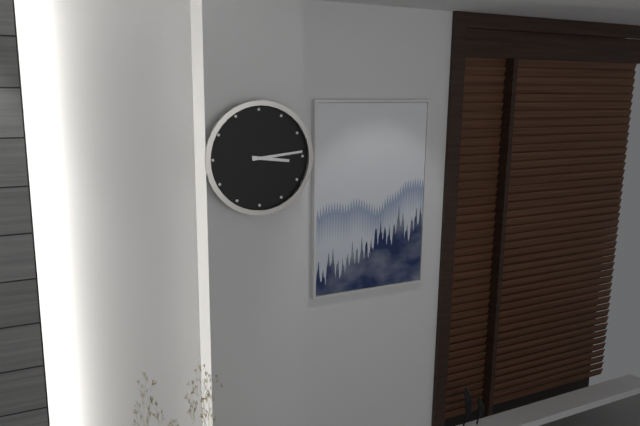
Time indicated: 3:14
